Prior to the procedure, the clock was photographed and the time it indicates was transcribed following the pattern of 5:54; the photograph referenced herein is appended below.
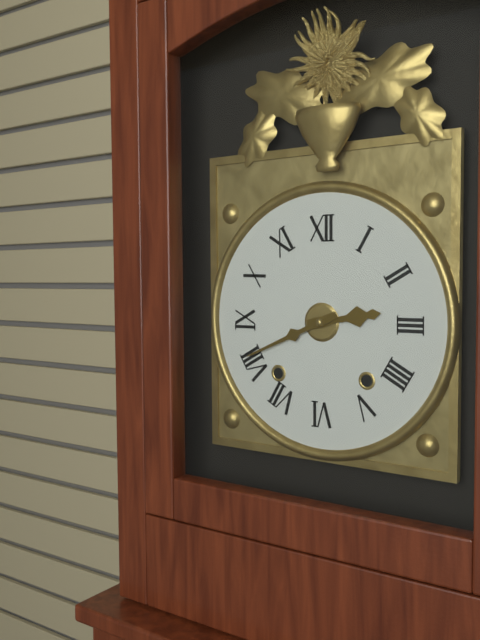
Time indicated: 2:41
